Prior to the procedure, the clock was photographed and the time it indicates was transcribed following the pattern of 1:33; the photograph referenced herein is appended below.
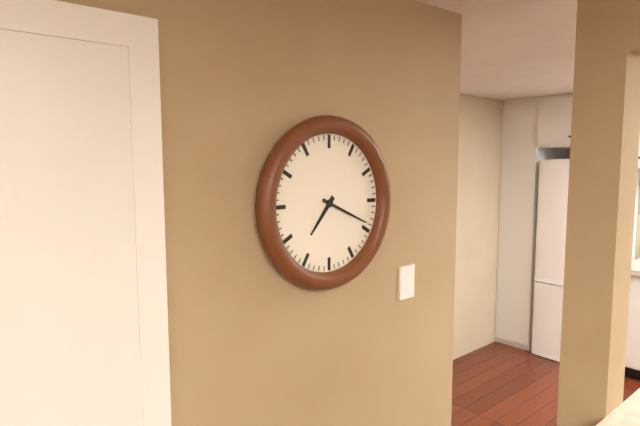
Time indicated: 7:19
